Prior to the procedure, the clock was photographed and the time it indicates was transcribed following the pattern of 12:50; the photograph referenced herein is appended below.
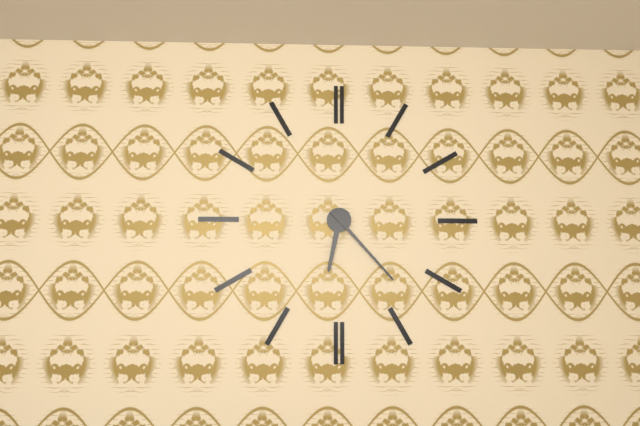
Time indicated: 6:23
